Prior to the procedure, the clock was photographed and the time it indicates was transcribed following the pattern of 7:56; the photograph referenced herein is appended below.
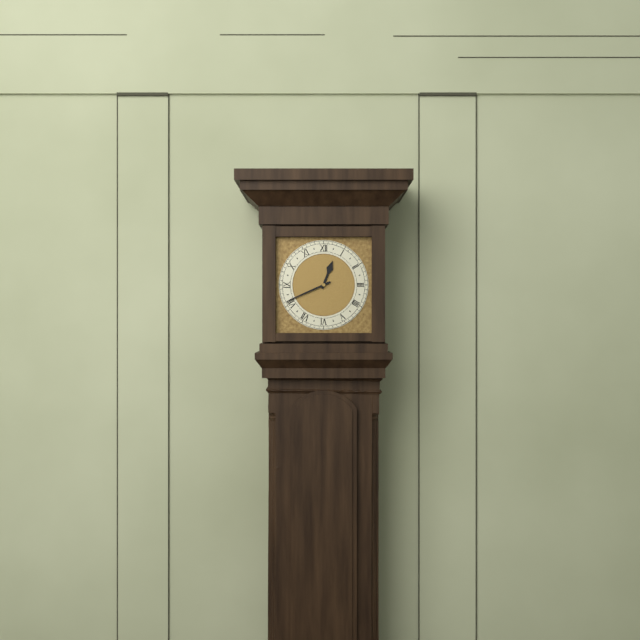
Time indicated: 12:41
